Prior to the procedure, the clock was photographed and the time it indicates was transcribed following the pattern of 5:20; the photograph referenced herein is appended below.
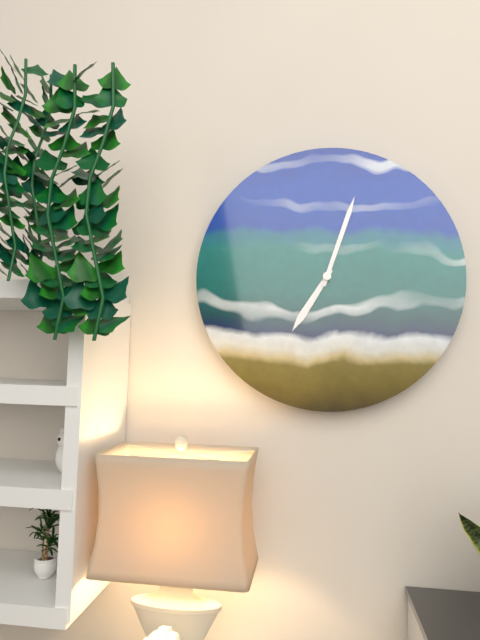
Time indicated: 7:03
